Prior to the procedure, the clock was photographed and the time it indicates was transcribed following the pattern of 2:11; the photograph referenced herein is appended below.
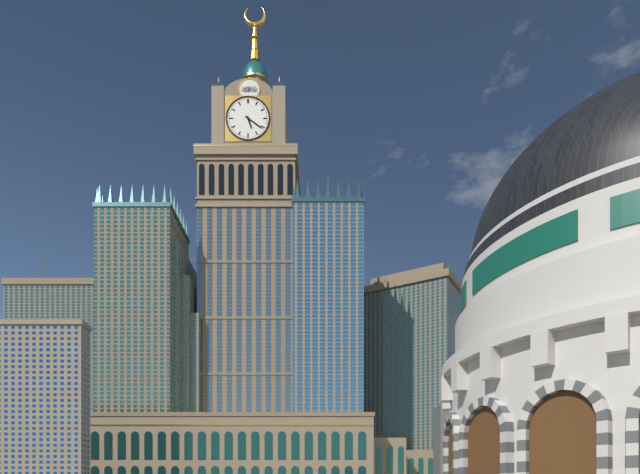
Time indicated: 5:21
